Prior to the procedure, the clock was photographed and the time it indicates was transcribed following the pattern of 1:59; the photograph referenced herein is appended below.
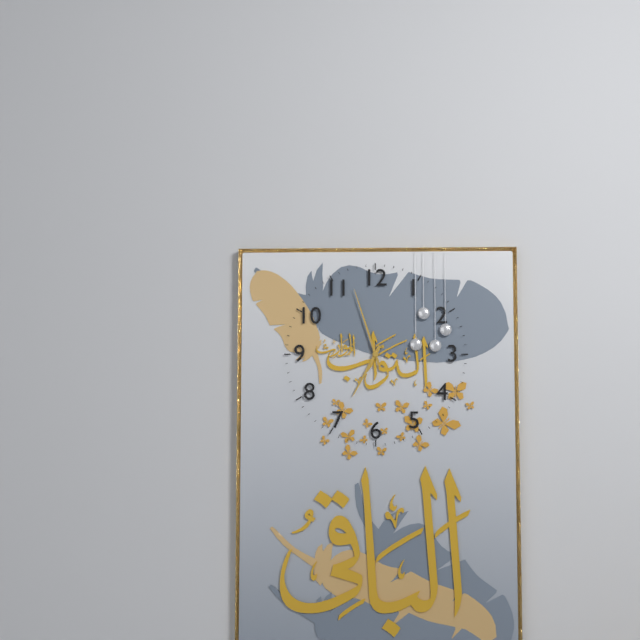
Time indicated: 6:57
